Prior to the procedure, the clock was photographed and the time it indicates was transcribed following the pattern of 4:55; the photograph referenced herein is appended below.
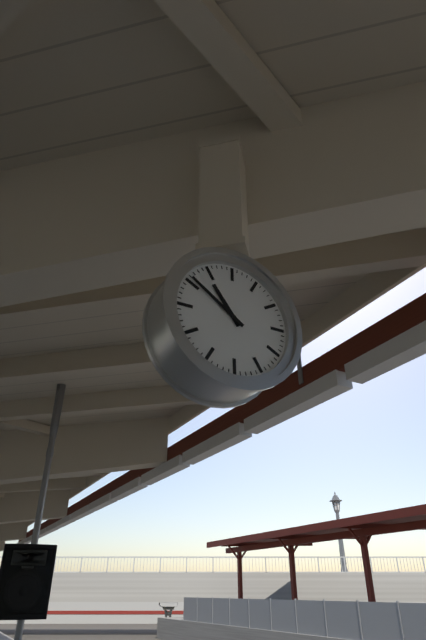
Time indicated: 10:51
